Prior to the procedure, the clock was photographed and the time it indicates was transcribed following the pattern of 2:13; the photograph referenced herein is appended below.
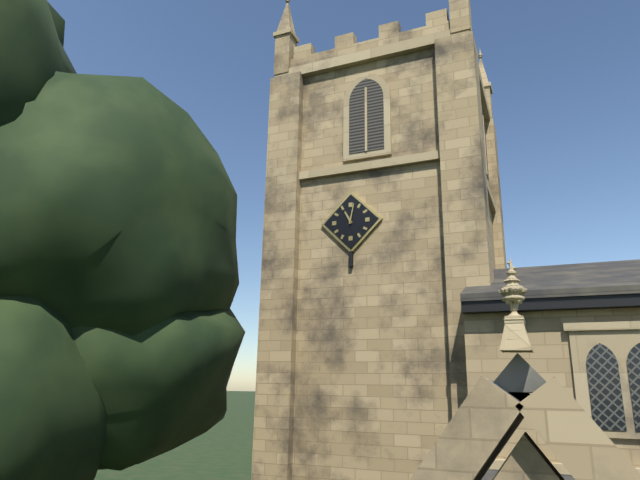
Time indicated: 11:02
